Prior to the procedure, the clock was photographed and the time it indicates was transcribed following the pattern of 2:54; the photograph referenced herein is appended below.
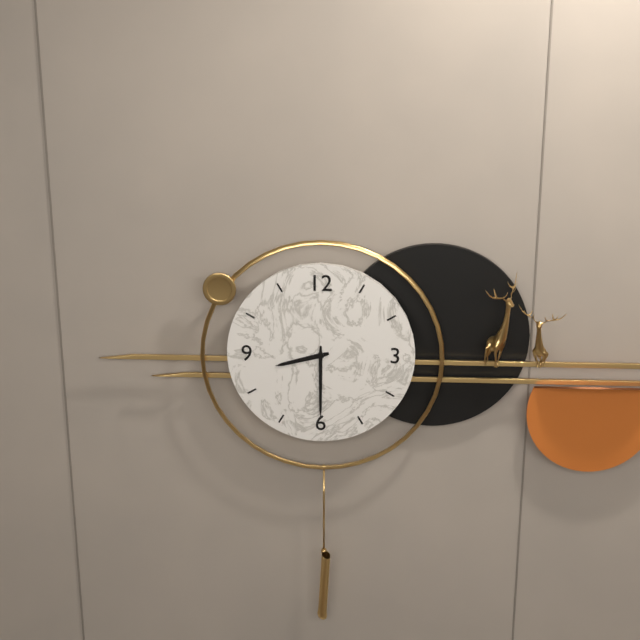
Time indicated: 8:30
